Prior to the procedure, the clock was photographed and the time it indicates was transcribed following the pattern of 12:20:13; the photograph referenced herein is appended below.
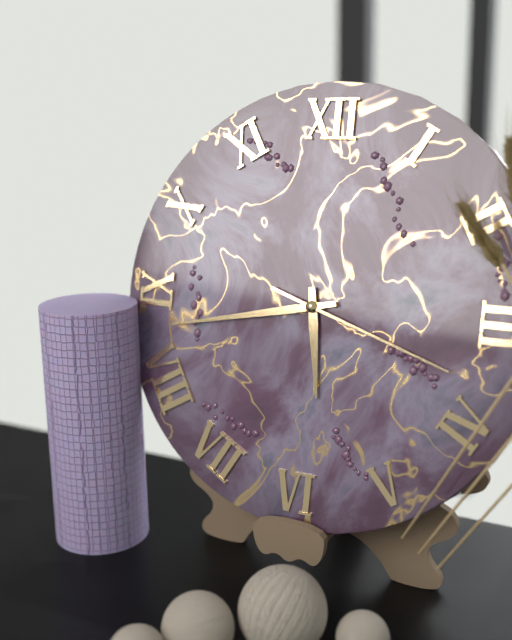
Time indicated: 5:43:18
